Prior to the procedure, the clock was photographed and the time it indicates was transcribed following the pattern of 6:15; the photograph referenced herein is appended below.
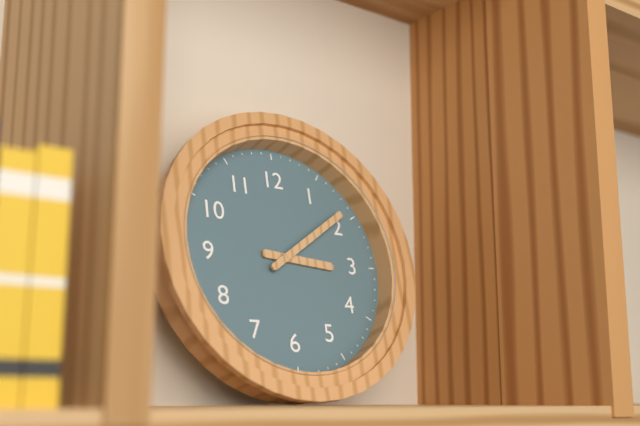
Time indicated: 3:09
